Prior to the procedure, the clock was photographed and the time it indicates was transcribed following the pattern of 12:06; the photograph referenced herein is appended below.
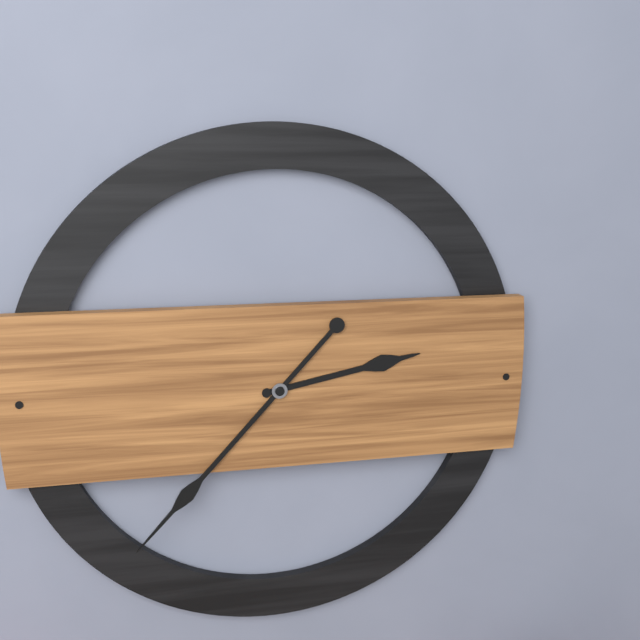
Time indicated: 2:37
